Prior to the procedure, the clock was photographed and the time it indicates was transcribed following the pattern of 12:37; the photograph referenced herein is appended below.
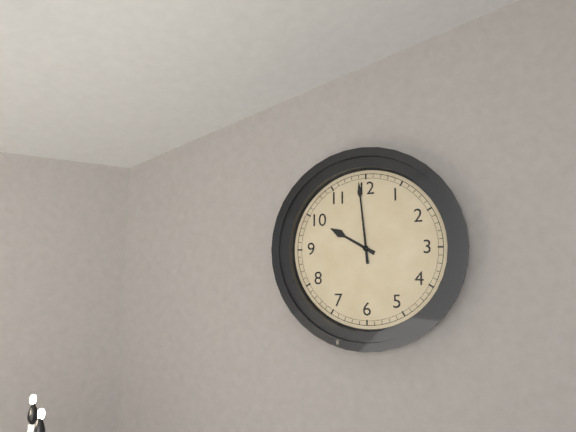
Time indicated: 9:59
